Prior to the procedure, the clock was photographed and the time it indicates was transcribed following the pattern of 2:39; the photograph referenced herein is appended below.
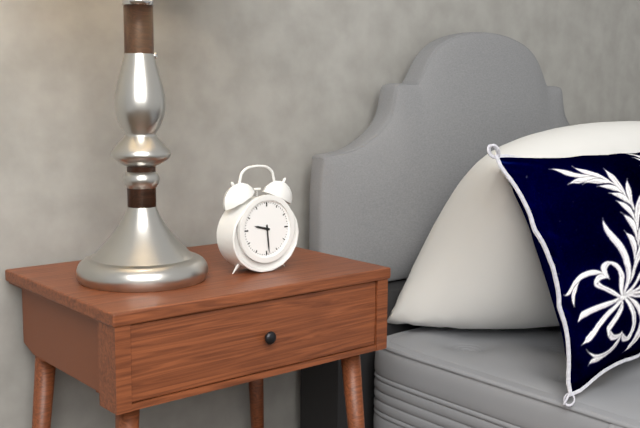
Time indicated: 9:29
